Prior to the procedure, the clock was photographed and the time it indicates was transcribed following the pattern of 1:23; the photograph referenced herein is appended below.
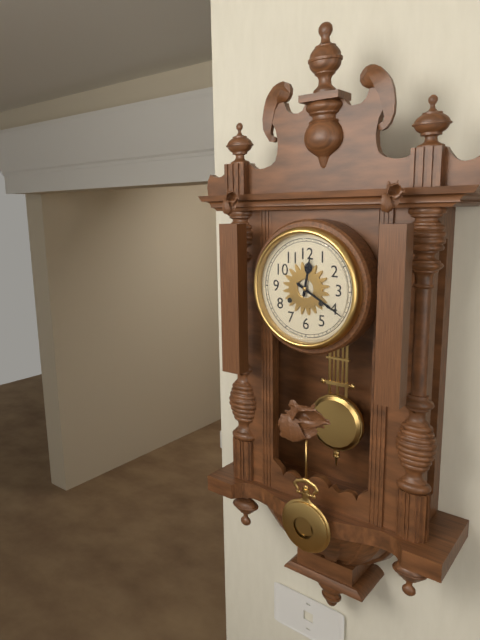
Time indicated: 12:20
